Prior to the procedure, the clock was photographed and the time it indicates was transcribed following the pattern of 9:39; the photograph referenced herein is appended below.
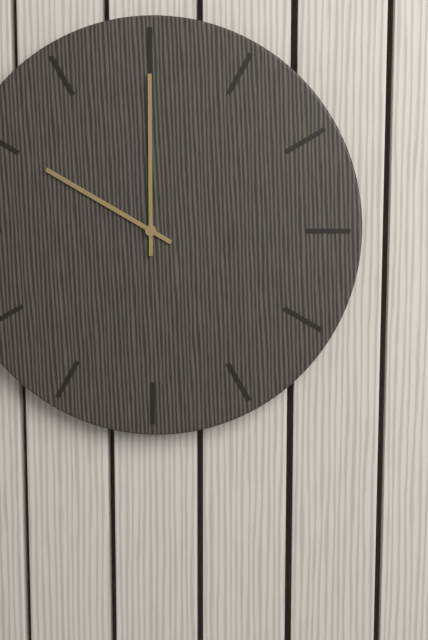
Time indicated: 10:00
